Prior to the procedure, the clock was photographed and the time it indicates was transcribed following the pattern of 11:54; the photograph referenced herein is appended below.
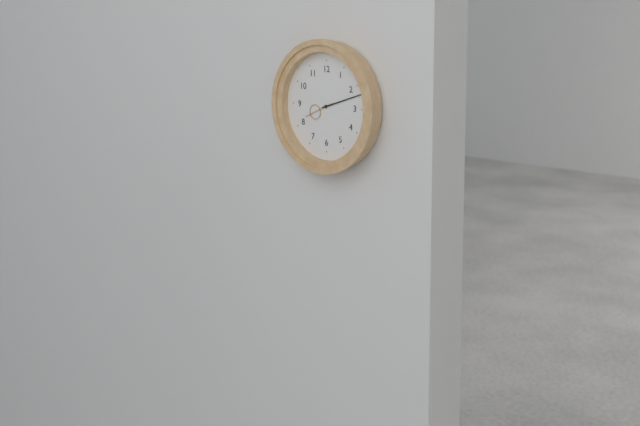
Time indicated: 8:12
